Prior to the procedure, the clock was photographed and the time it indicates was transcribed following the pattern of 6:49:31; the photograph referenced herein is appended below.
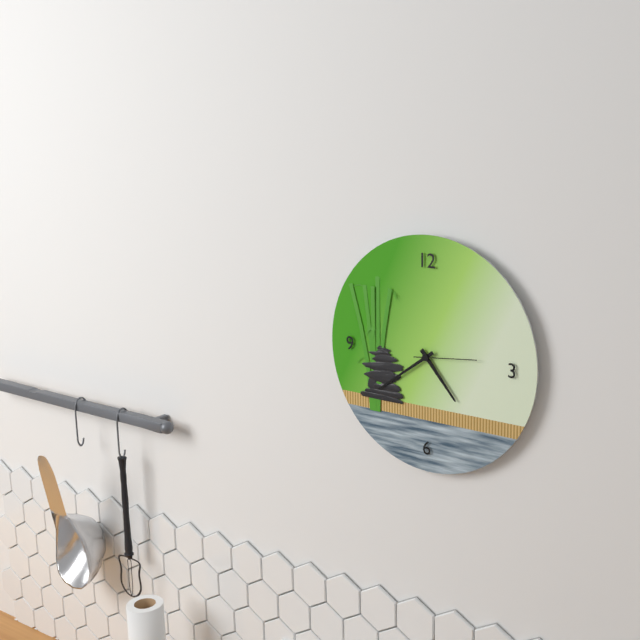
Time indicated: 4:39:14
